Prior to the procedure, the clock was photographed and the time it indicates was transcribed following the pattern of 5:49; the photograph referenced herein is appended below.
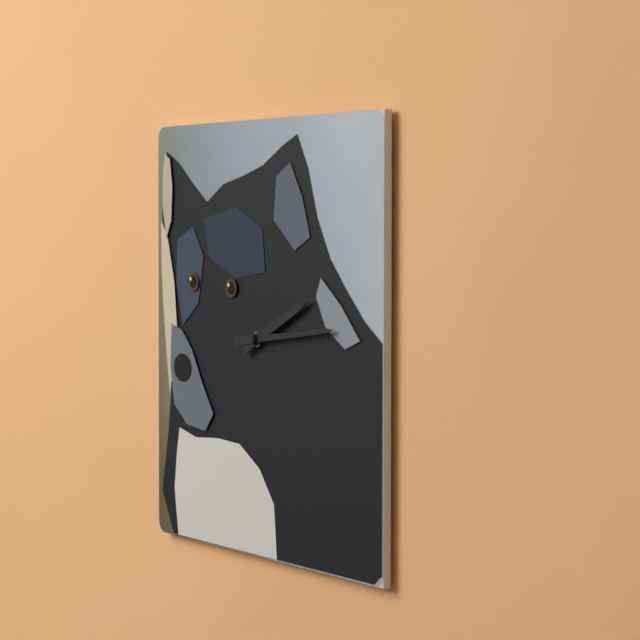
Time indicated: 2:14
